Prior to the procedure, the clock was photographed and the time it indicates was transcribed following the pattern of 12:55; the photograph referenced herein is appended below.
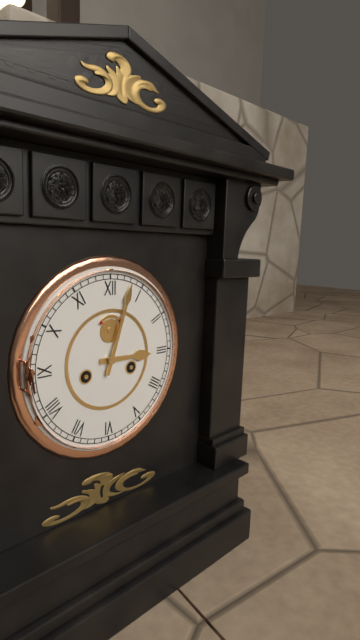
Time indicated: 3:03
